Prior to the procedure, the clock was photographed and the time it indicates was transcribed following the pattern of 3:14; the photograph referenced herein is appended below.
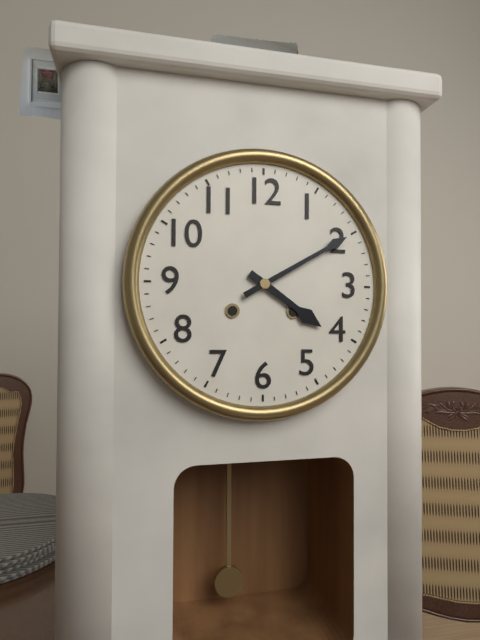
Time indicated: 4:10
